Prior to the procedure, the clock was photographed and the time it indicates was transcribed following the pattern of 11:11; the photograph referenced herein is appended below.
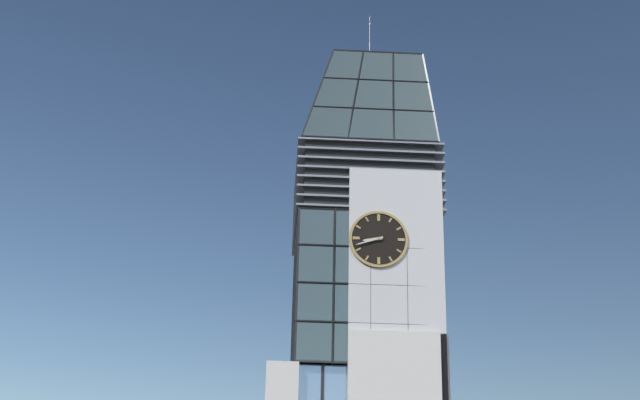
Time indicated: 8:42
